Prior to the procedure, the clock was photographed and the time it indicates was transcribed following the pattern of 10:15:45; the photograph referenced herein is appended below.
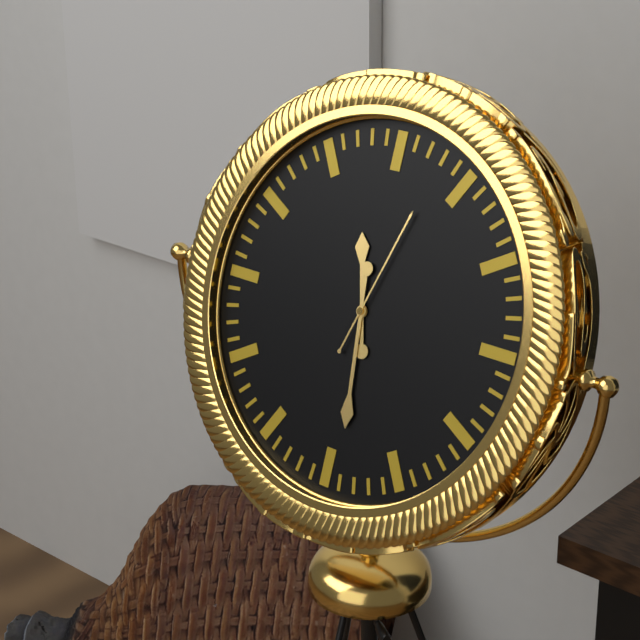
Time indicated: 11:29:03
